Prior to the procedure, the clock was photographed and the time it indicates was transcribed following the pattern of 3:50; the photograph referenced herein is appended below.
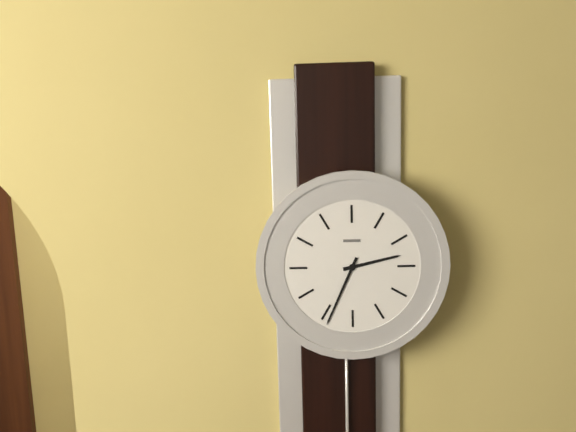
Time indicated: 2:34
